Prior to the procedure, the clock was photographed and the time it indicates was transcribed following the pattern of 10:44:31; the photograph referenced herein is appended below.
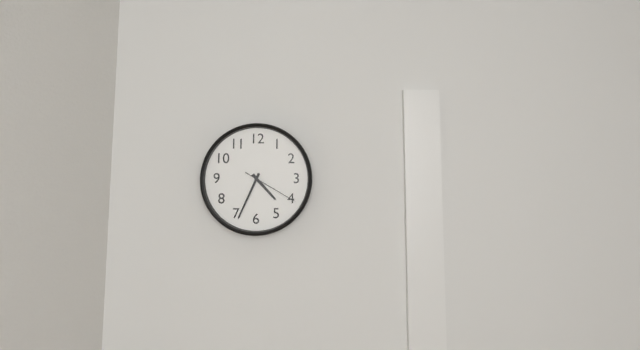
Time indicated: 4:34:20
